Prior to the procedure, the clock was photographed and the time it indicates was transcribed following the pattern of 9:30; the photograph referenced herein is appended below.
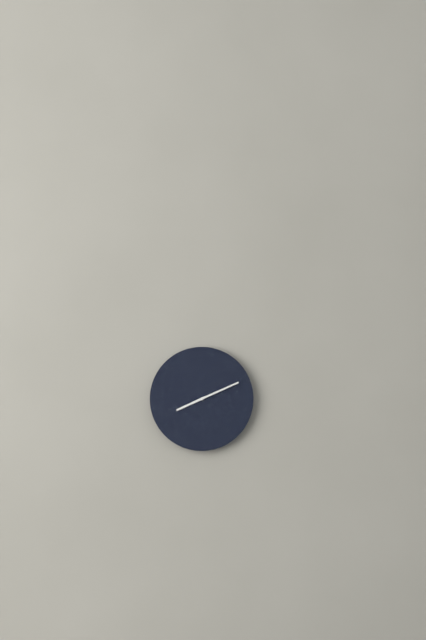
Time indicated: 8:11
